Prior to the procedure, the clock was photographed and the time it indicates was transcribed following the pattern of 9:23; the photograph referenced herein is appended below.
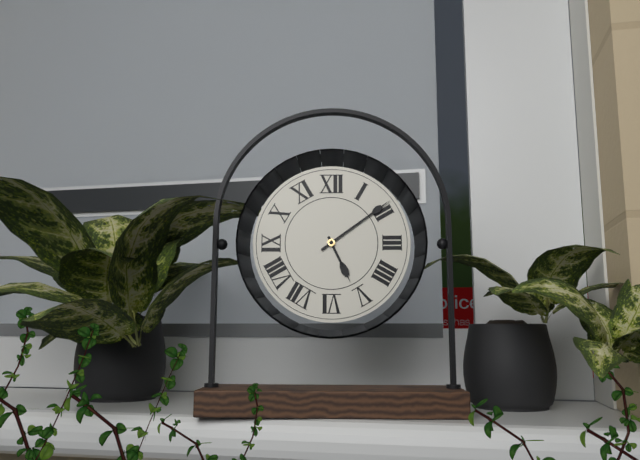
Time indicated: 5:09
